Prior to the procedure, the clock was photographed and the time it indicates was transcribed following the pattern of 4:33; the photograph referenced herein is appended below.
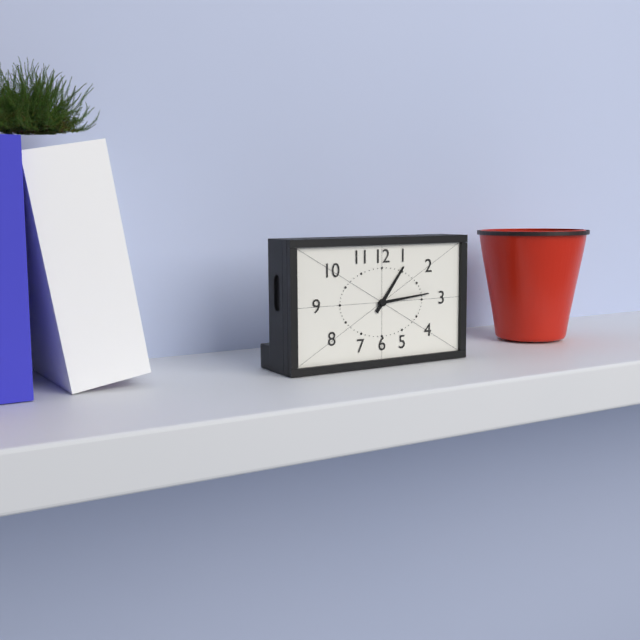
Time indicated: 1:14
